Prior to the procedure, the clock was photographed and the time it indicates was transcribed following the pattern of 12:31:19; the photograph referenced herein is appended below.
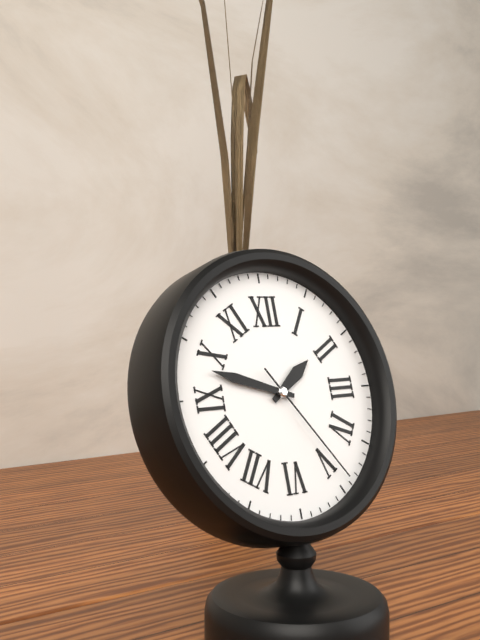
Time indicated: 1:48:24
